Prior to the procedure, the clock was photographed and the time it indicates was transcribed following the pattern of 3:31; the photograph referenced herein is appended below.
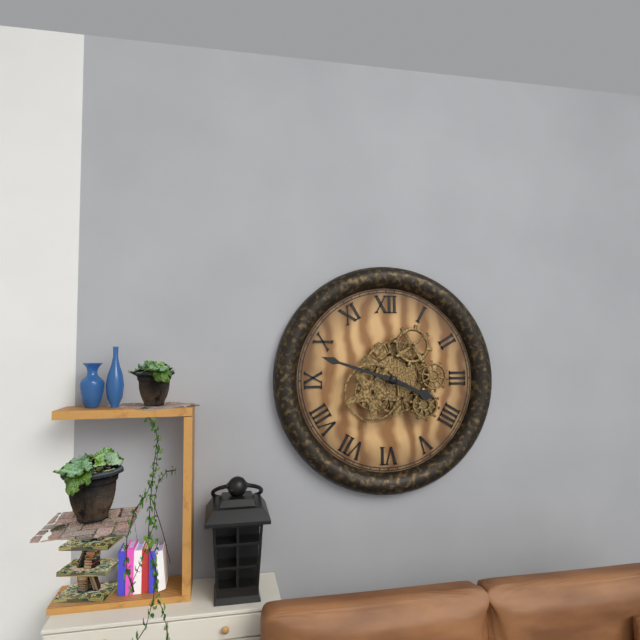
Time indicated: 3:48
